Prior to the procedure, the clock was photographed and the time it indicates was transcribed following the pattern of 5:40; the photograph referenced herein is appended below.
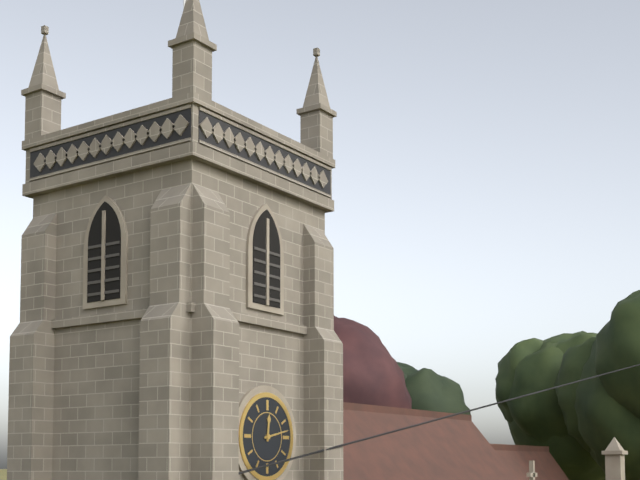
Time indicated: 12:13
